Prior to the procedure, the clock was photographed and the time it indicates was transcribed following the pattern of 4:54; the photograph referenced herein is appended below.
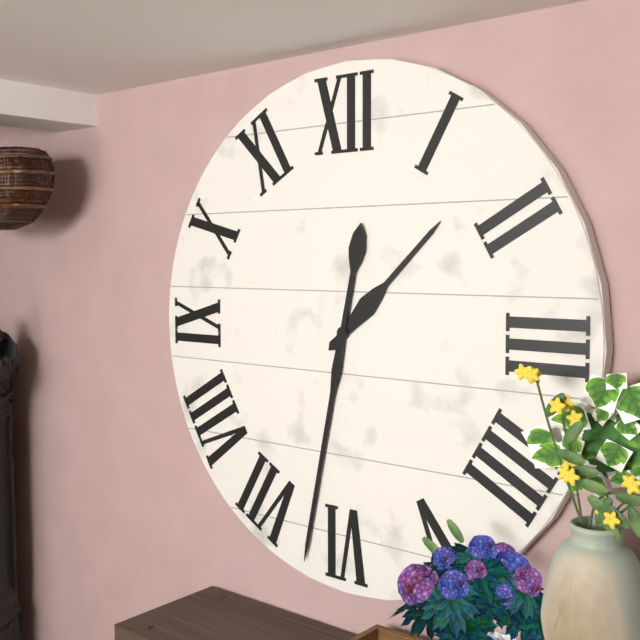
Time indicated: 1:32
